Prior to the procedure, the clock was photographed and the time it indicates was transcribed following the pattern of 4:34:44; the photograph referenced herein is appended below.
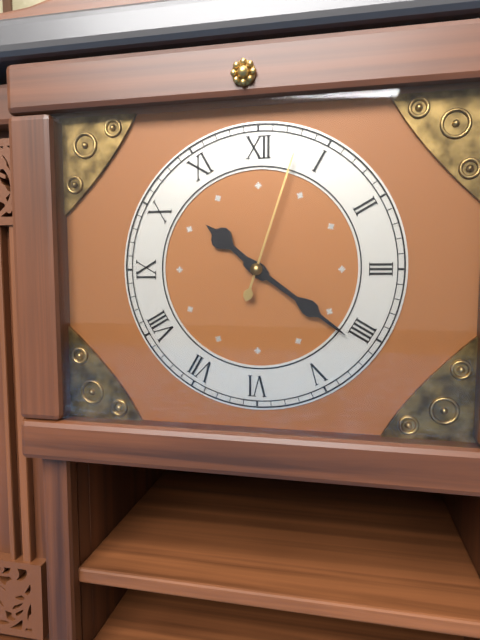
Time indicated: 10:21:03
